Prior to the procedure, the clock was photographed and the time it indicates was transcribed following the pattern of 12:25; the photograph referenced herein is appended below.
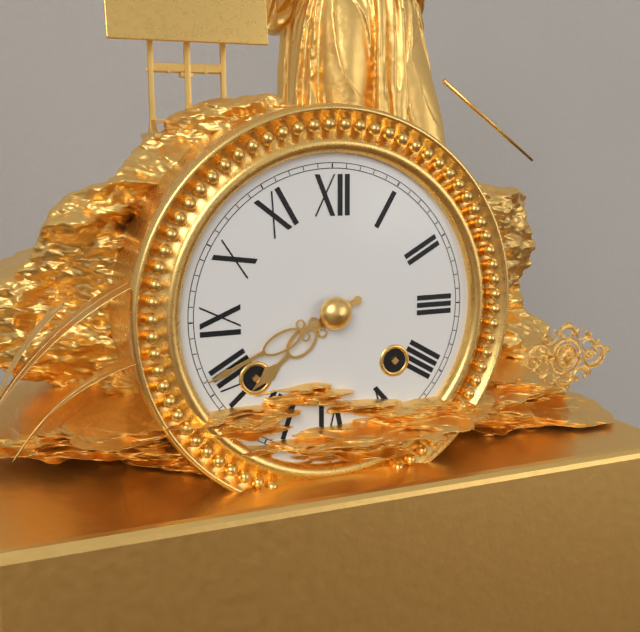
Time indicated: 7:41
